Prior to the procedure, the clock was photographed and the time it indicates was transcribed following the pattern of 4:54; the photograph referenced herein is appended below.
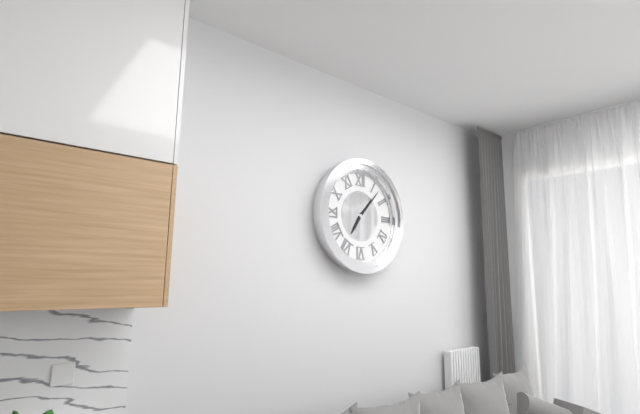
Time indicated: 7:07
